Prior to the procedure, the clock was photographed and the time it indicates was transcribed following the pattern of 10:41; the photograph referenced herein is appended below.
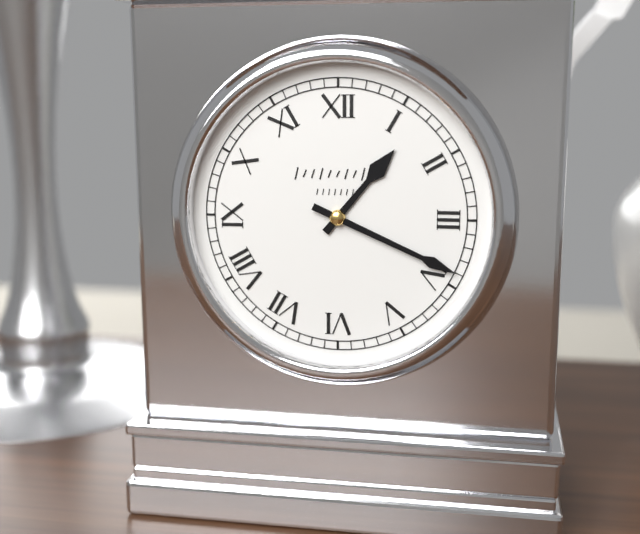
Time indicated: 1:19
